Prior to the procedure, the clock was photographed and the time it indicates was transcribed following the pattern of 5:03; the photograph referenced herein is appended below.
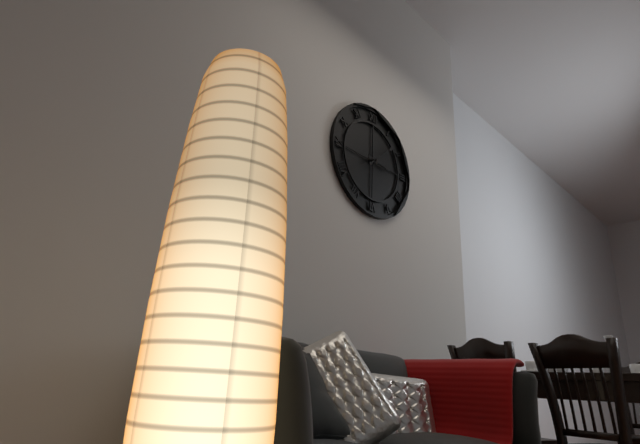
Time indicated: 3:08
